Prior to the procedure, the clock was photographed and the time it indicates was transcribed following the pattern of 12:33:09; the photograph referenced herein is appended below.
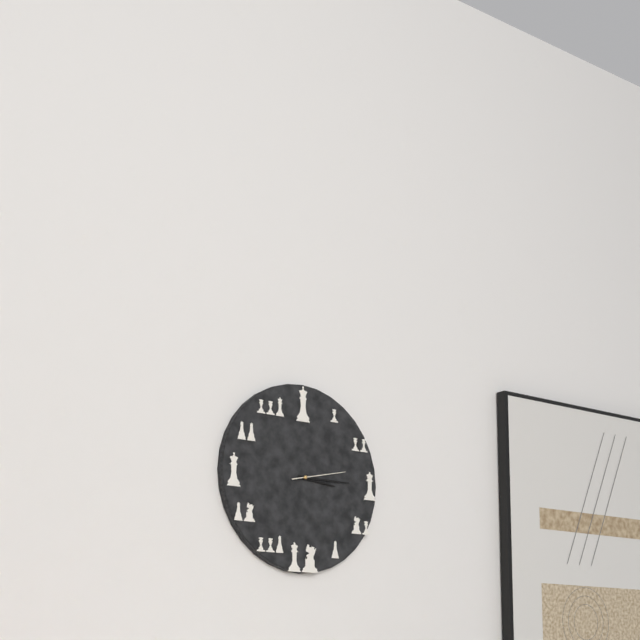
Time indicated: 3:15:13
